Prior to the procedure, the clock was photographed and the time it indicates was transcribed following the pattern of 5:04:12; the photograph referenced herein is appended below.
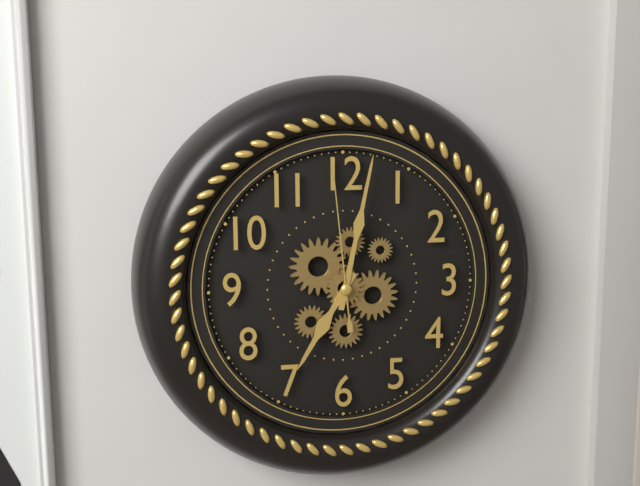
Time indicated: 7:02:59
